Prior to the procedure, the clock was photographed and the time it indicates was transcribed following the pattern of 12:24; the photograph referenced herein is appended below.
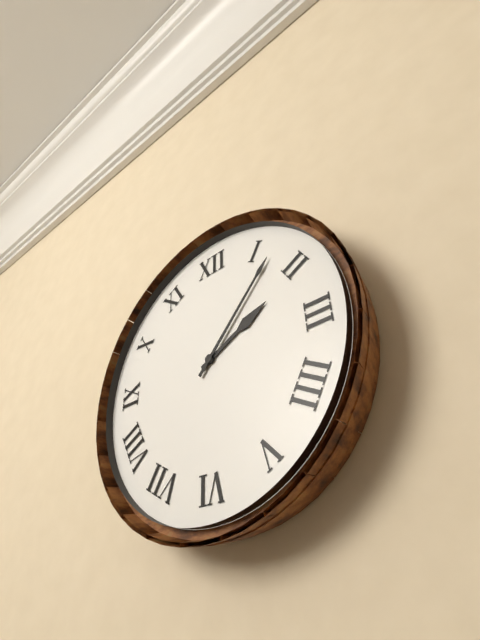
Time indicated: 2:07
